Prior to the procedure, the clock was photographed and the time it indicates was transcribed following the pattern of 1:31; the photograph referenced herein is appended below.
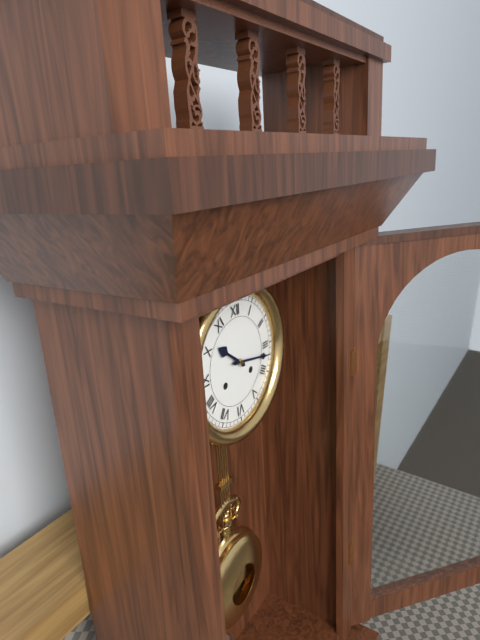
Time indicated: 10:17
